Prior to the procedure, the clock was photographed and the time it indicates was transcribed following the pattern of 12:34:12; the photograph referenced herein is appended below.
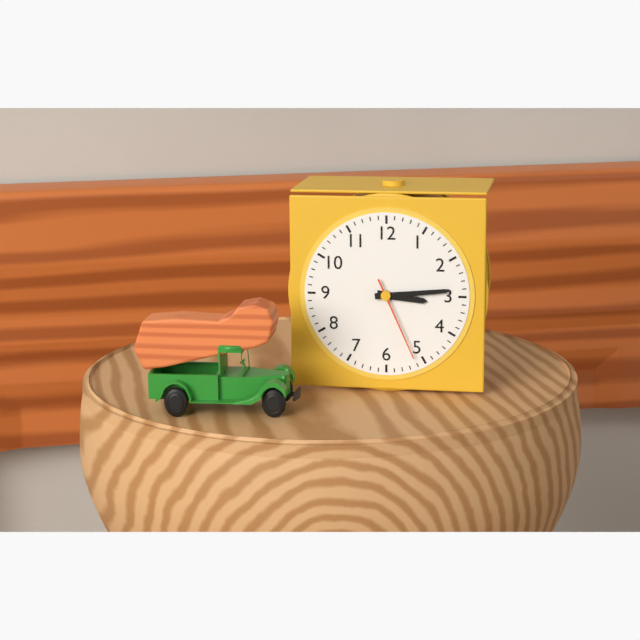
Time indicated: 3:14:26
